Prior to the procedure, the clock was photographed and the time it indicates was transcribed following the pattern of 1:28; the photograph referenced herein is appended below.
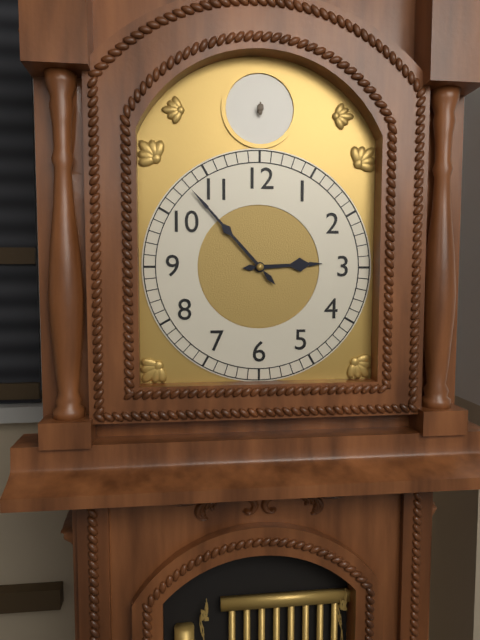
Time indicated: 2:53
